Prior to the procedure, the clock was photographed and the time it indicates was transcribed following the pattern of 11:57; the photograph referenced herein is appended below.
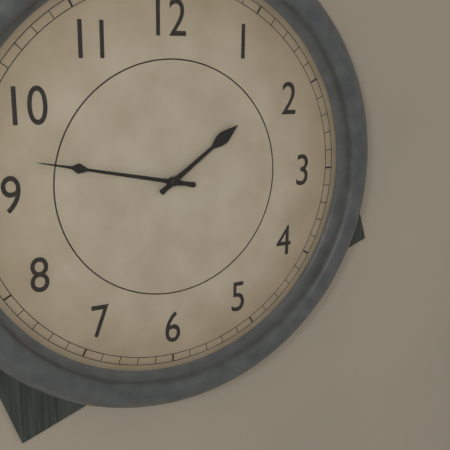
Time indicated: 1:47
